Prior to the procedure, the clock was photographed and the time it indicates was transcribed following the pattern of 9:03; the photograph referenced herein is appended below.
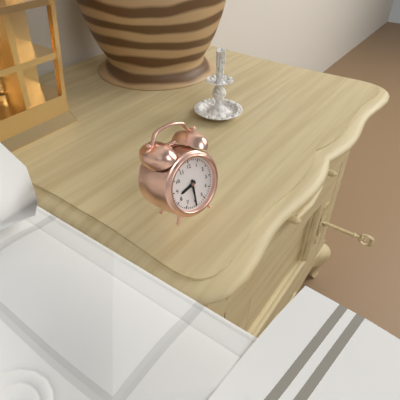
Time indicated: 8:30
